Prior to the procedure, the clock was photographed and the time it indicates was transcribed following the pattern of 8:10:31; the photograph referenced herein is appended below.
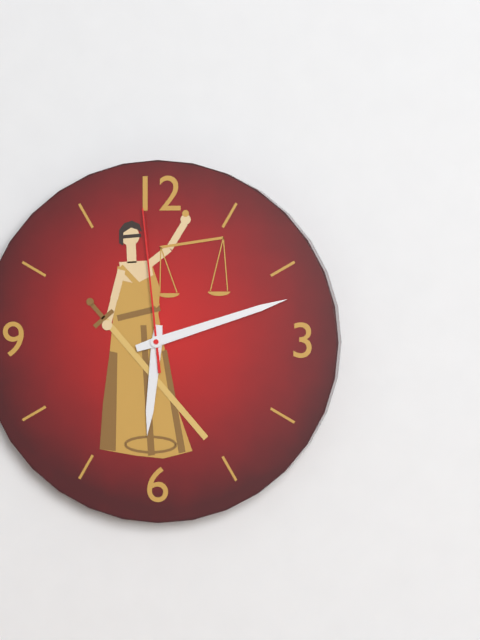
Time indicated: 6:12:59
